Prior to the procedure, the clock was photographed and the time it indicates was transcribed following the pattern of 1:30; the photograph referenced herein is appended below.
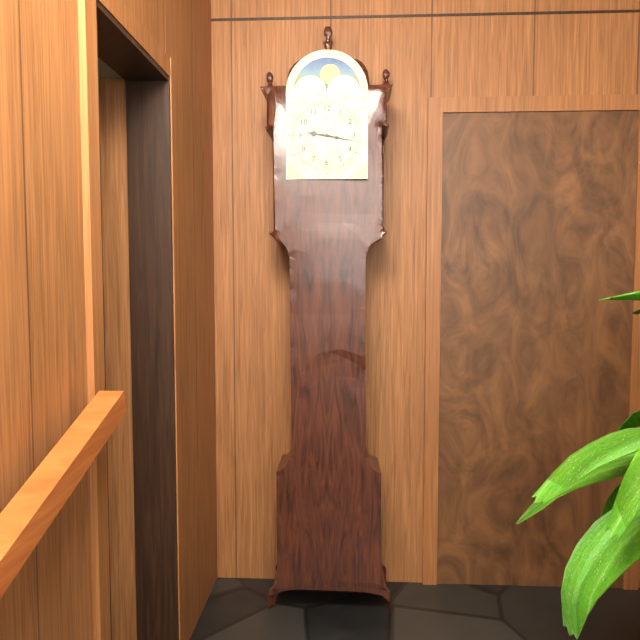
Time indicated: 9:17
